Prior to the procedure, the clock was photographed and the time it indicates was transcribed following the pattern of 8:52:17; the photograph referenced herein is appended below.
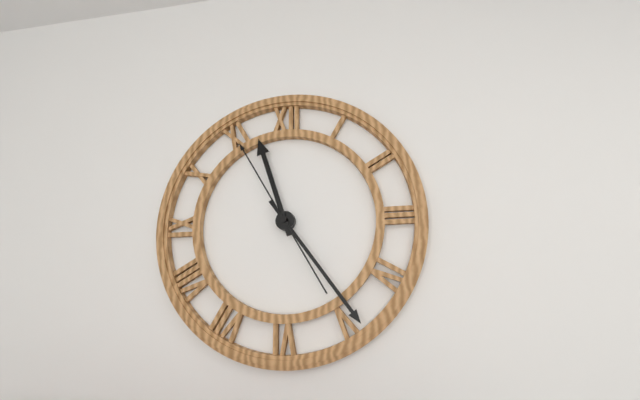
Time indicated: 11:24:55
